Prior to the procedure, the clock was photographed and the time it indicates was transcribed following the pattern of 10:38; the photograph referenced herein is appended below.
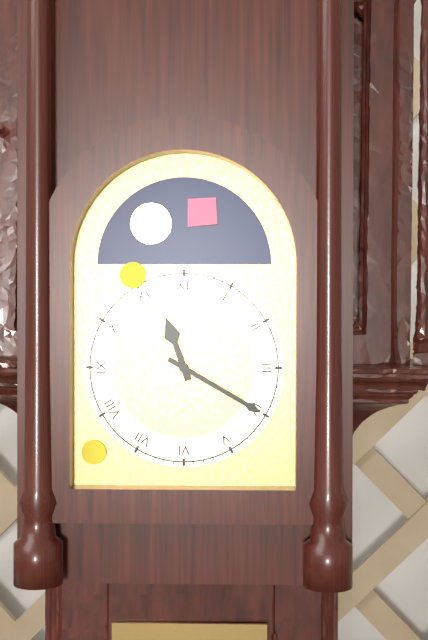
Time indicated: 11:20
